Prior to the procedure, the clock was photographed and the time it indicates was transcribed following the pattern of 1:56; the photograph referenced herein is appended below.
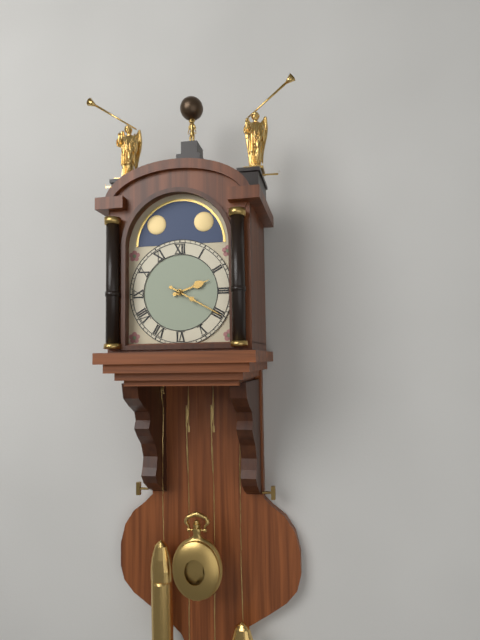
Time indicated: 2:20
